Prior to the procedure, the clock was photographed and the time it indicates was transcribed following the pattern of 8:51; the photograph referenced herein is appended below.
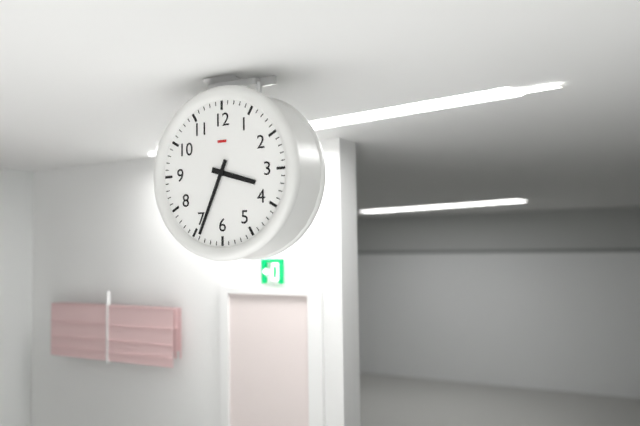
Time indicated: 3:34
